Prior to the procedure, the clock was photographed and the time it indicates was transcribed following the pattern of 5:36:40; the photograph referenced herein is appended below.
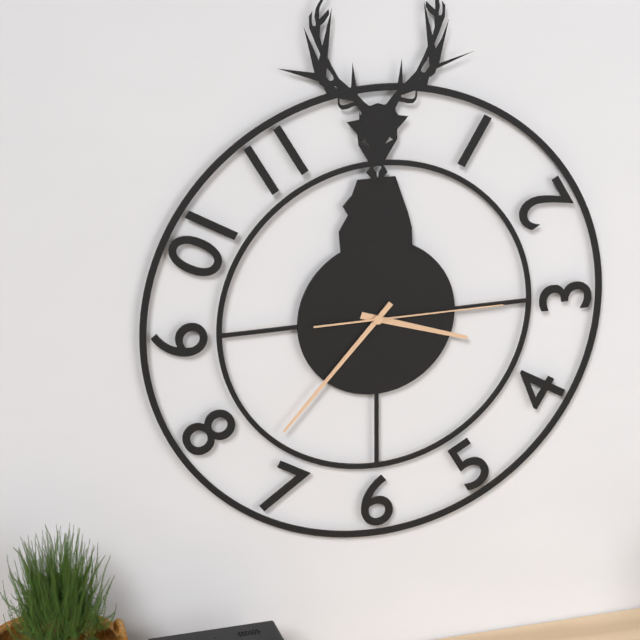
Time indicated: 3:37:15
